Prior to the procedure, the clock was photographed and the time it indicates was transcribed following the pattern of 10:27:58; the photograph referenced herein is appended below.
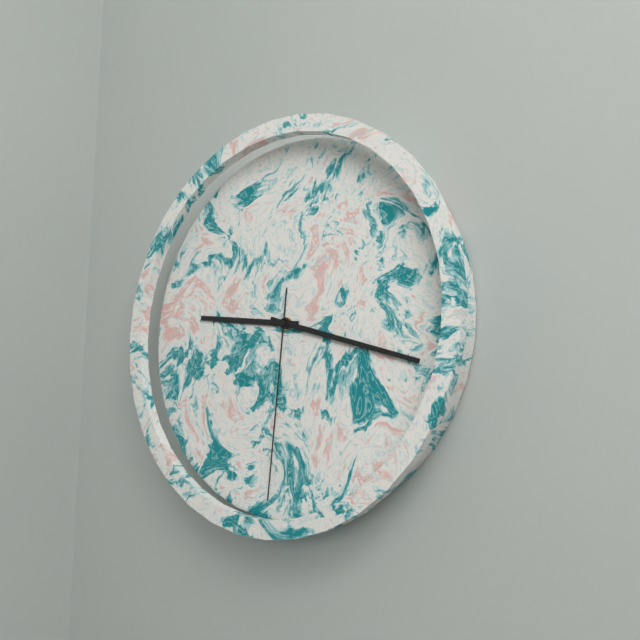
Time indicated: 9:18:31
